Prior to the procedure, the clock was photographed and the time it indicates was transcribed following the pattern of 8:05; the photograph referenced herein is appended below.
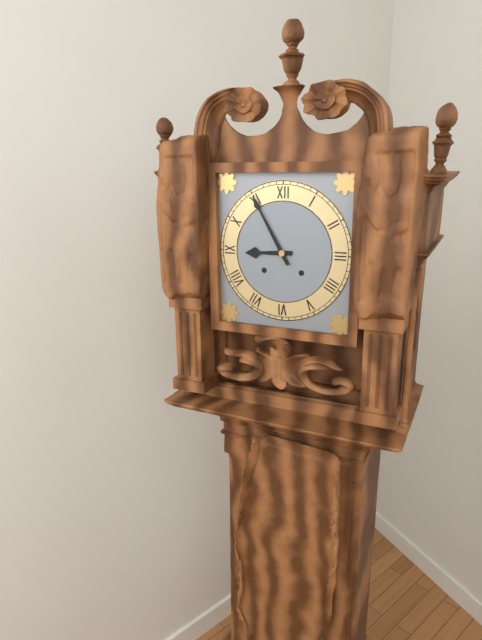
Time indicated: 8:55
